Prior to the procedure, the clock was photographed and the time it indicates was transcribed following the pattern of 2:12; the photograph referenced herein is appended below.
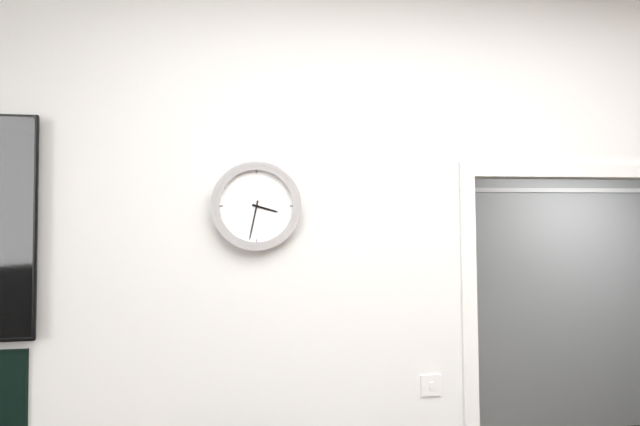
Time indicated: 3:32
